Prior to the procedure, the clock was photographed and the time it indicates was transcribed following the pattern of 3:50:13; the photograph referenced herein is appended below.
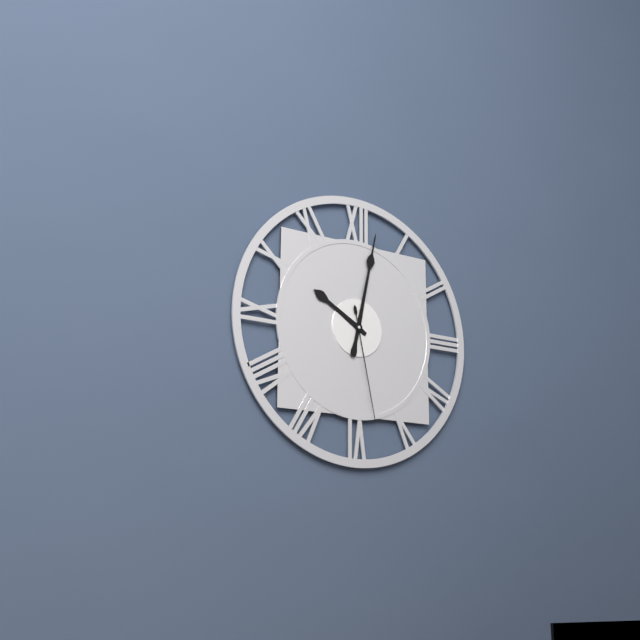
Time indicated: 10:02:28
